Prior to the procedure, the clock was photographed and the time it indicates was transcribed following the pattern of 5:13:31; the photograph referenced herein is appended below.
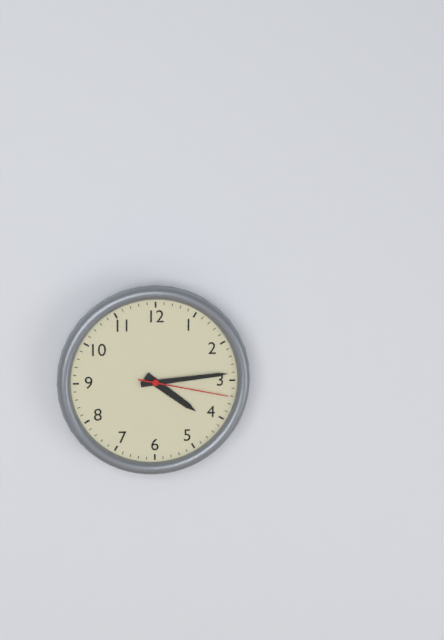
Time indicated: 4:14:17
